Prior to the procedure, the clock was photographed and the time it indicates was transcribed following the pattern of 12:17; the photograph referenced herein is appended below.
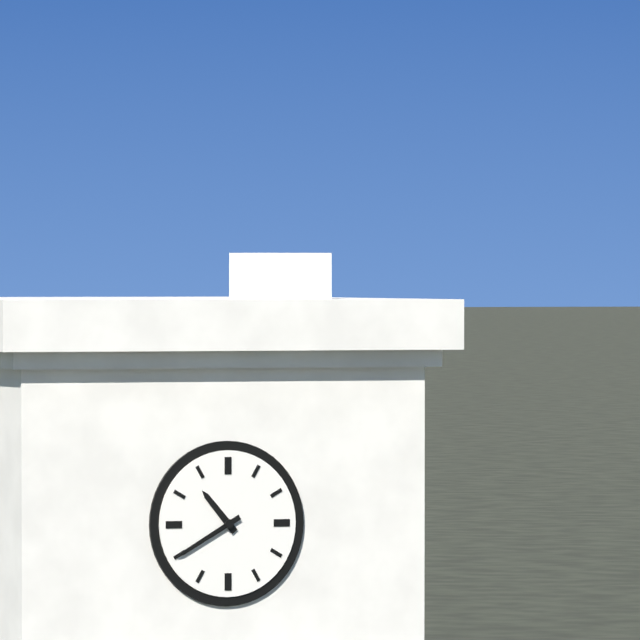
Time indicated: 10:40
